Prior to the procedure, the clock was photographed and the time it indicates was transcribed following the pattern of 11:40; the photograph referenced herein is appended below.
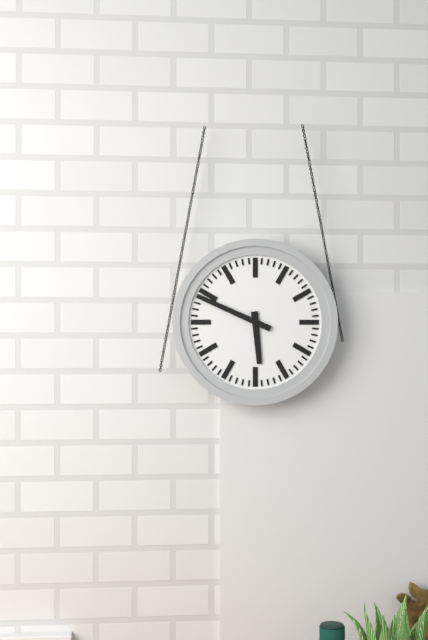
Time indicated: 5:49
